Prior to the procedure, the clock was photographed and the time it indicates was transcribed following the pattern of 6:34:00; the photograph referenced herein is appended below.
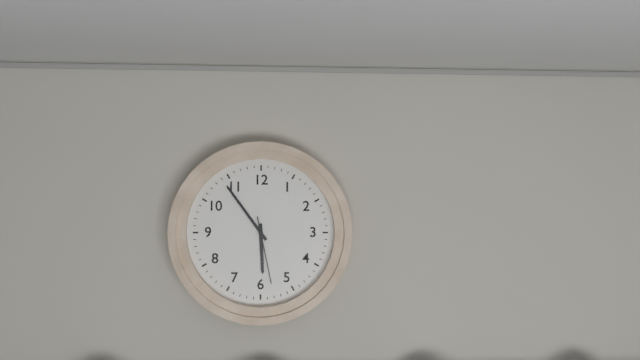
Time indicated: 5:54:28
